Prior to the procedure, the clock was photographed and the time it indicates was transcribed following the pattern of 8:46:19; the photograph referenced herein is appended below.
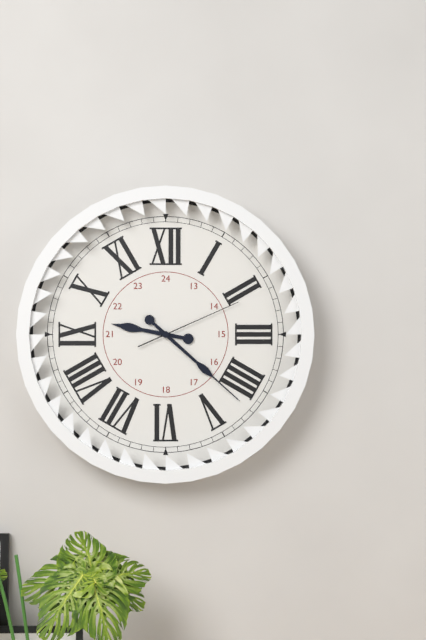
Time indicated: 9:22:11
